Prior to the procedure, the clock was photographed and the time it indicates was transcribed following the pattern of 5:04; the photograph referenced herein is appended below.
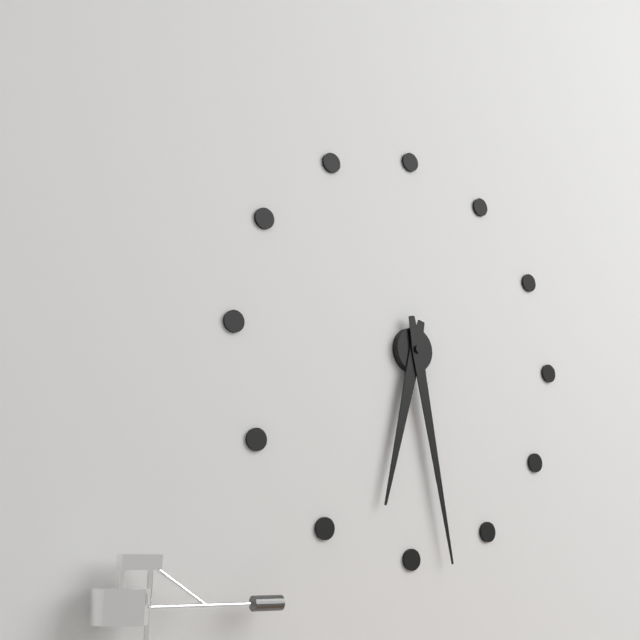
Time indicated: 6:28
